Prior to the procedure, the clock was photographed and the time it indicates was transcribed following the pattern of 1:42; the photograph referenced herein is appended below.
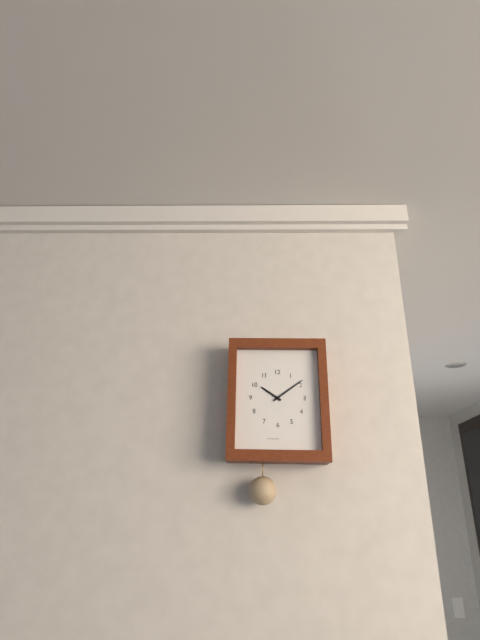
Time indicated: 10:09
